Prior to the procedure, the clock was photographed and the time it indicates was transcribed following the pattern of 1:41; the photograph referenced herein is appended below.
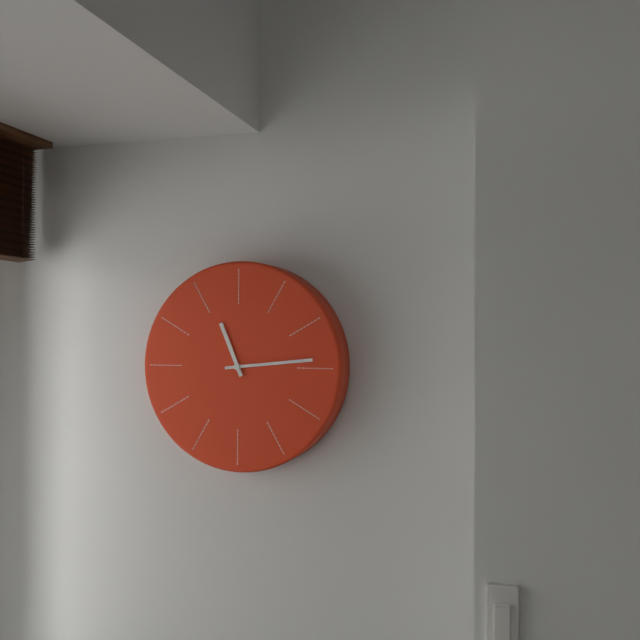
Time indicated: 11:14
